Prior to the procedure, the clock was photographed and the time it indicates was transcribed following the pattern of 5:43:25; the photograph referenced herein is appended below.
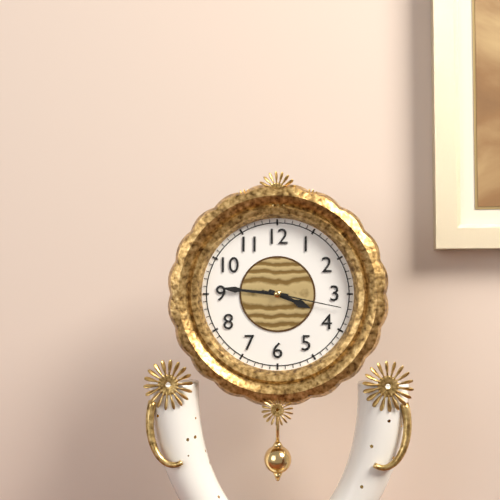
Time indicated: 3:46:17
